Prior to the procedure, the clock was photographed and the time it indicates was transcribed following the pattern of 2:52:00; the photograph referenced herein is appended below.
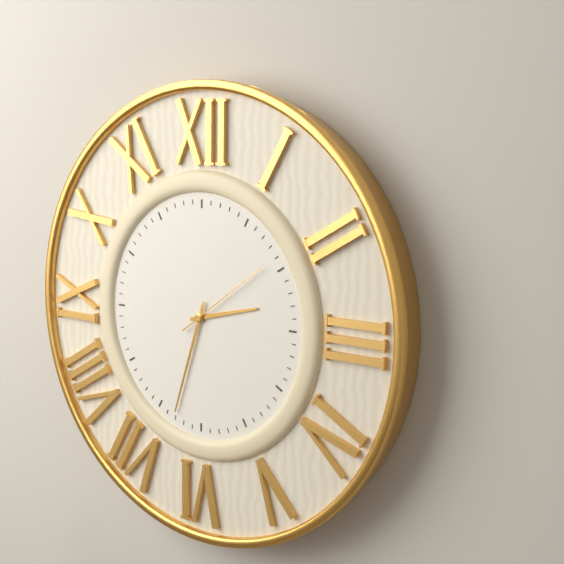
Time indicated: 2:33:09
